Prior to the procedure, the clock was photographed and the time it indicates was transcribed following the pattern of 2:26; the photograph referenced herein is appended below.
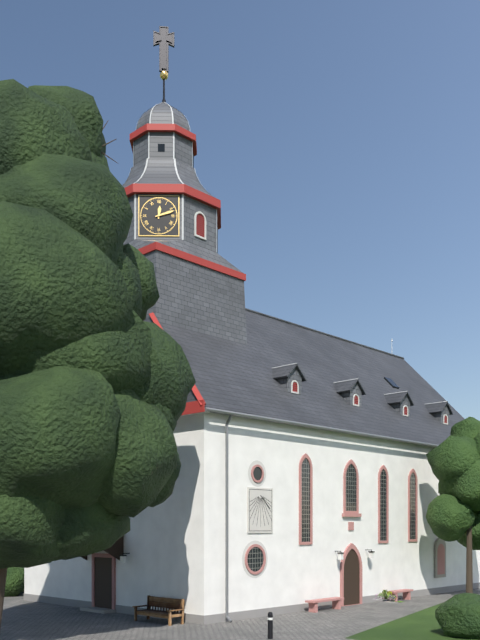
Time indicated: 12:12
